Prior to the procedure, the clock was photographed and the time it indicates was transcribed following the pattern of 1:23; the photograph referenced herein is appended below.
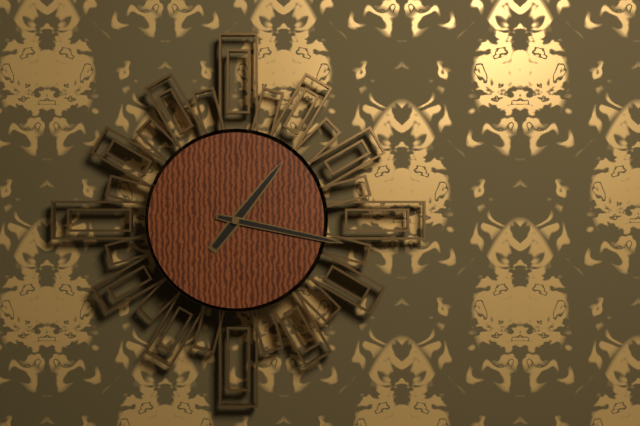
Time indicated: 1:17
